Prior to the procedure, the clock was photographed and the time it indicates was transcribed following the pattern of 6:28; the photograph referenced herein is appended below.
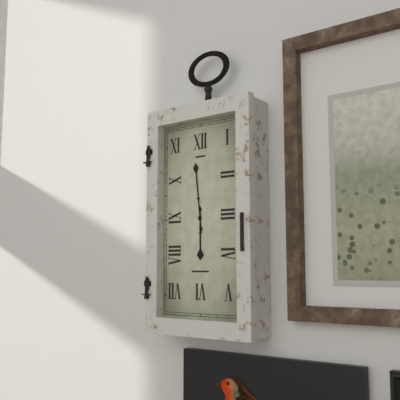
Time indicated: 5:59
